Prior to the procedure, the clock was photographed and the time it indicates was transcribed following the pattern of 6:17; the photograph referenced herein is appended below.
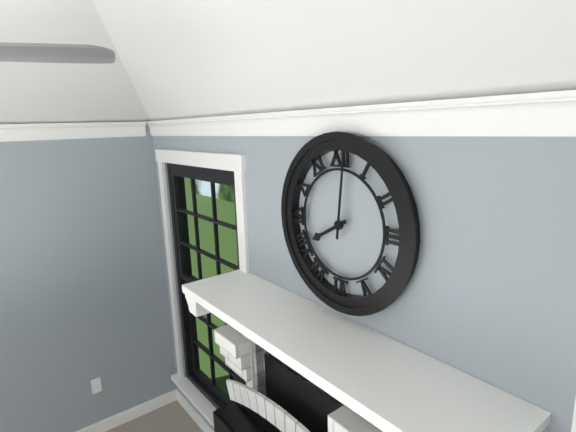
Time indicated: 8:01
